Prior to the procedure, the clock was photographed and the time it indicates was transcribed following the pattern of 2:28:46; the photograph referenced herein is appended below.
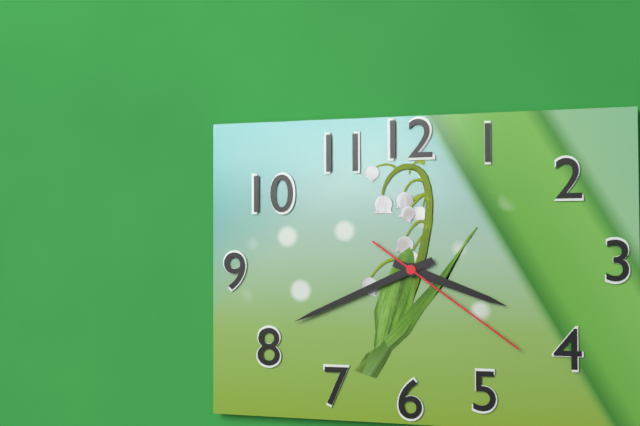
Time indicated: 3:41:21
